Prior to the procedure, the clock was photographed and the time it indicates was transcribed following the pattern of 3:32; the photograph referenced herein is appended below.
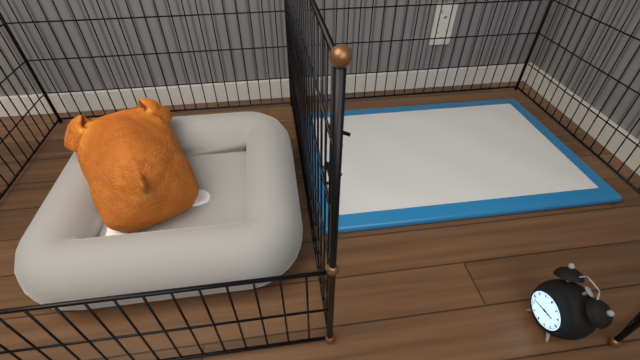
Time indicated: 2:43
